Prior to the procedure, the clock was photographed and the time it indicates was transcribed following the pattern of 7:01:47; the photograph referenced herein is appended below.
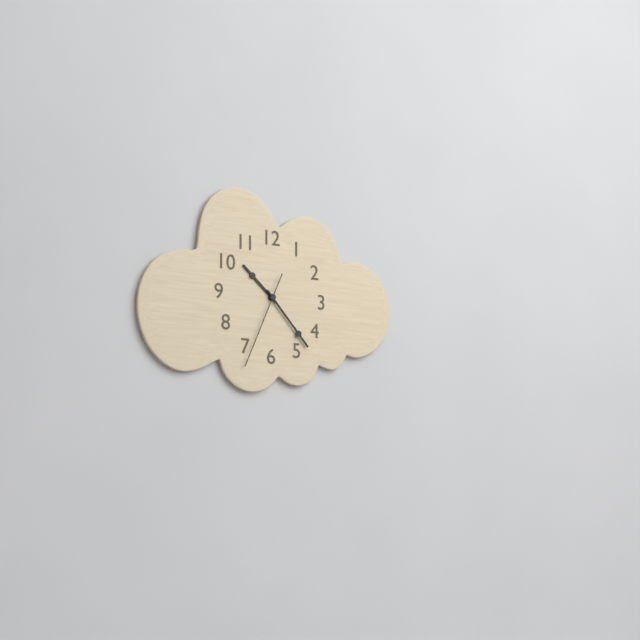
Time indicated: 10:23:34
